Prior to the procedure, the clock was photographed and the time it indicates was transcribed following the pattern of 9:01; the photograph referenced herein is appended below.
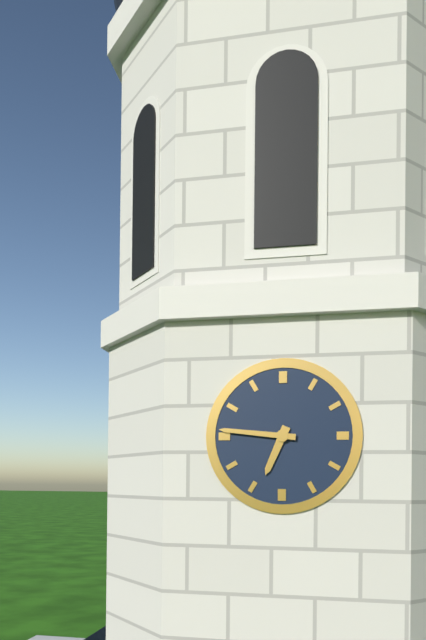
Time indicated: 6:46
